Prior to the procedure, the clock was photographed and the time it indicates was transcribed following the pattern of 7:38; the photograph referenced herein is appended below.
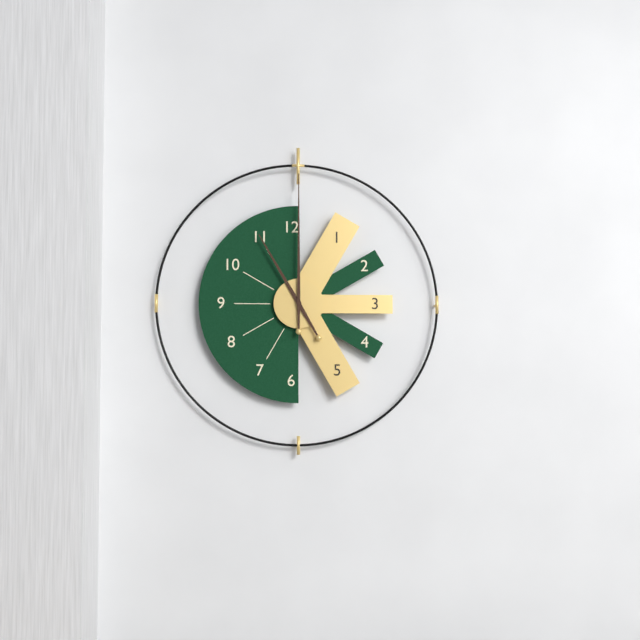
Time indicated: 11:00
